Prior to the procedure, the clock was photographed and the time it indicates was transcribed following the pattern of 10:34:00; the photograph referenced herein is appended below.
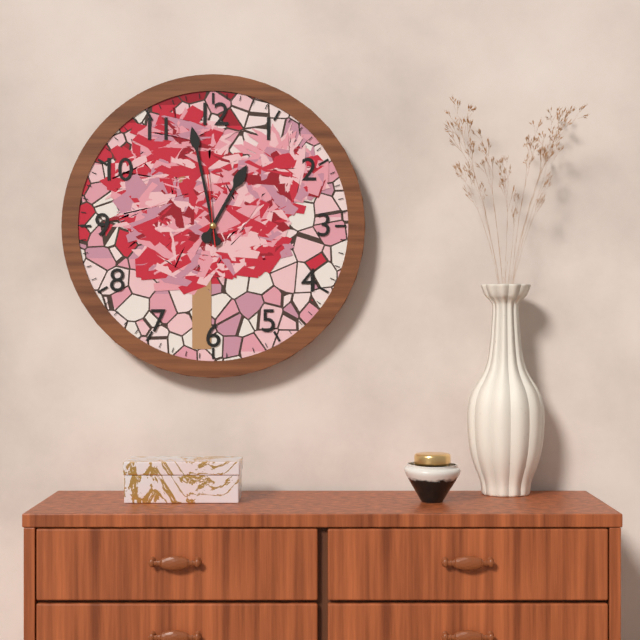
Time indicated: 12:58:59
